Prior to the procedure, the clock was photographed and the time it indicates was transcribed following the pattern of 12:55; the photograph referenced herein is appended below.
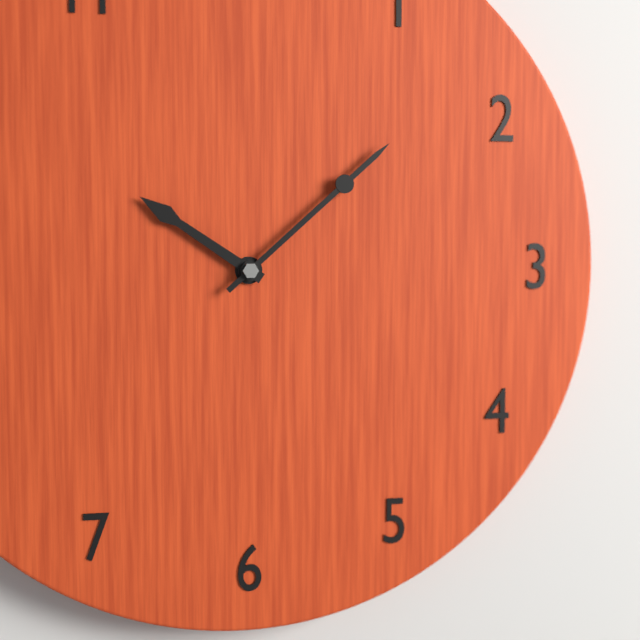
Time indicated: 10:08
